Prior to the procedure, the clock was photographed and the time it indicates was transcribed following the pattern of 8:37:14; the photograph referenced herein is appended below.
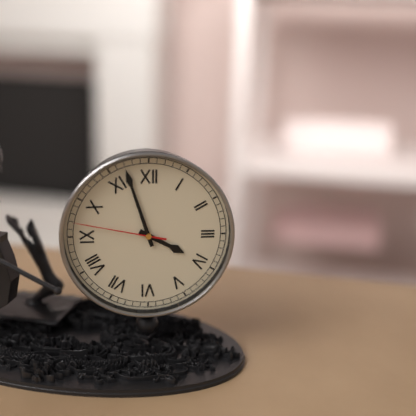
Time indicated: 3:57:47
